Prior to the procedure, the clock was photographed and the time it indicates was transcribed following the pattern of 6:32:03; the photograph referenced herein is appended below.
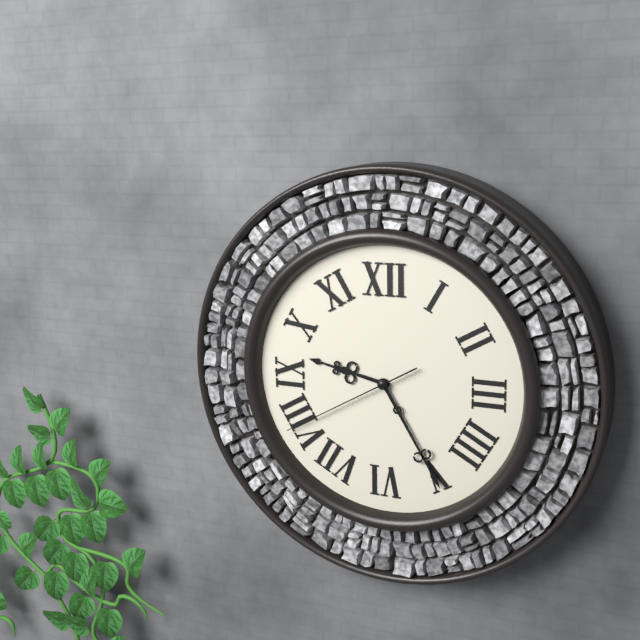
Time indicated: 9:25:40
